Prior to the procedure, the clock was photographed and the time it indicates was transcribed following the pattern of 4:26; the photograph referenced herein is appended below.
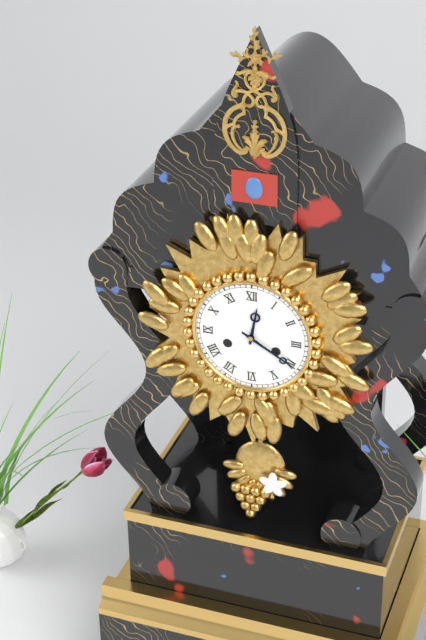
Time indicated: 12:20
